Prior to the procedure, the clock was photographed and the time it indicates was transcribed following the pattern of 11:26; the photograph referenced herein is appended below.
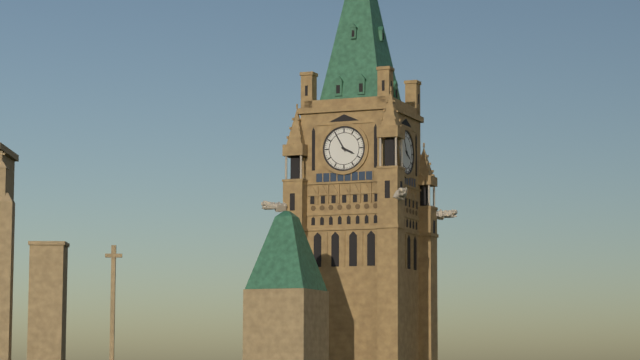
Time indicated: 3:55
